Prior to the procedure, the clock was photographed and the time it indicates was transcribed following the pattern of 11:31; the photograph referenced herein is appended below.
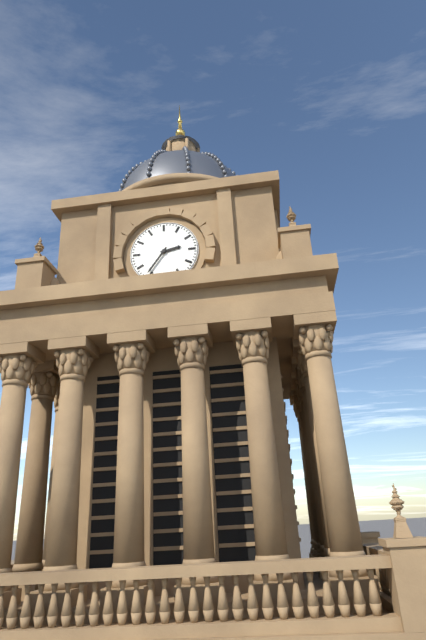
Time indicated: 2:36
